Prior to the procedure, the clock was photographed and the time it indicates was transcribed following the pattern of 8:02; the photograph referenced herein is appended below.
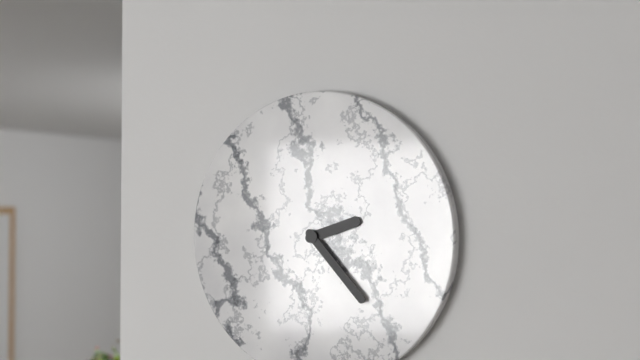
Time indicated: 2:23
